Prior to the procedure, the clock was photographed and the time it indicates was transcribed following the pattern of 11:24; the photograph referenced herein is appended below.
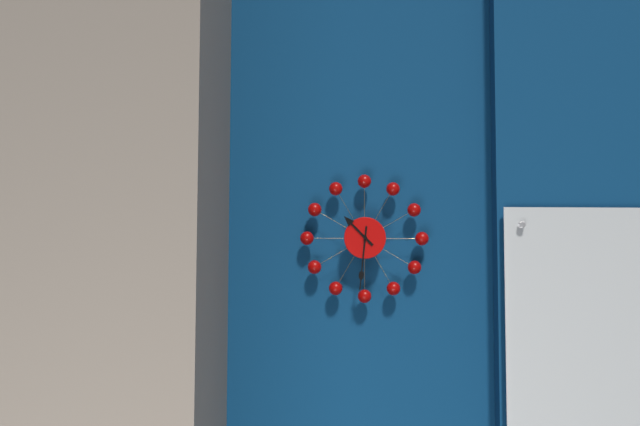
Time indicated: 10:31
